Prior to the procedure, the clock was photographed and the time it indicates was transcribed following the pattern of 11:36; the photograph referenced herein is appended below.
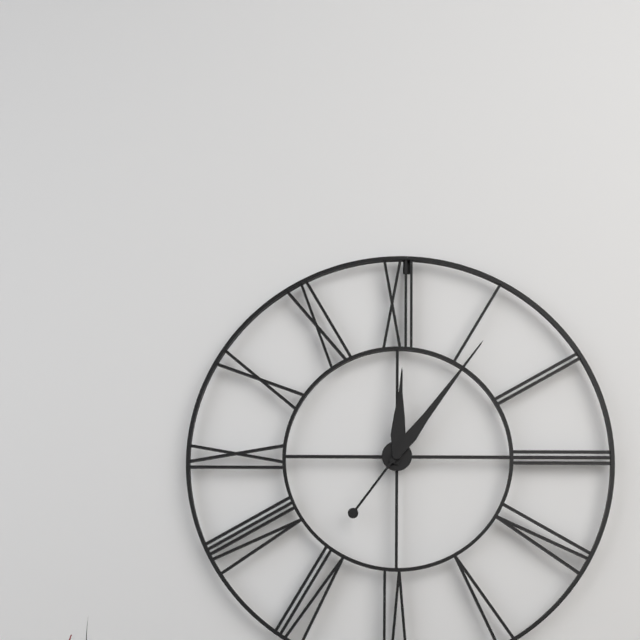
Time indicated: 12:06
